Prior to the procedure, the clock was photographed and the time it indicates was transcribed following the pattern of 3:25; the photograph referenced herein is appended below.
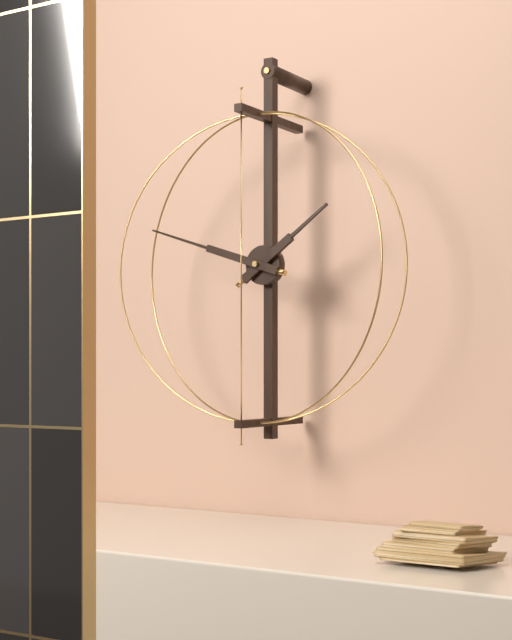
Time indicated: 1:48
